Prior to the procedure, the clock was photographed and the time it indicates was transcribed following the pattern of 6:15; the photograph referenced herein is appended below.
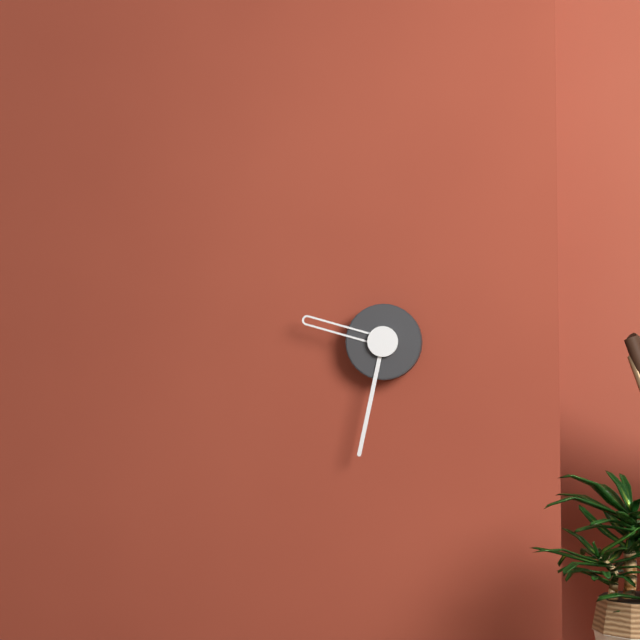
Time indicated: 9:32
